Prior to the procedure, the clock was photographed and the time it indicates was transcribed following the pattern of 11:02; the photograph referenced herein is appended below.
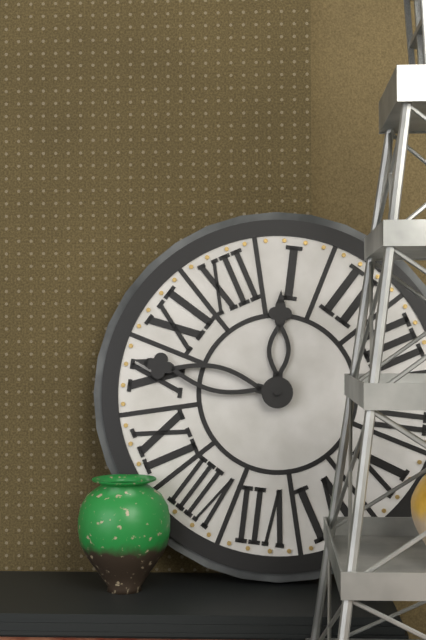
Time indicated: 12:51
